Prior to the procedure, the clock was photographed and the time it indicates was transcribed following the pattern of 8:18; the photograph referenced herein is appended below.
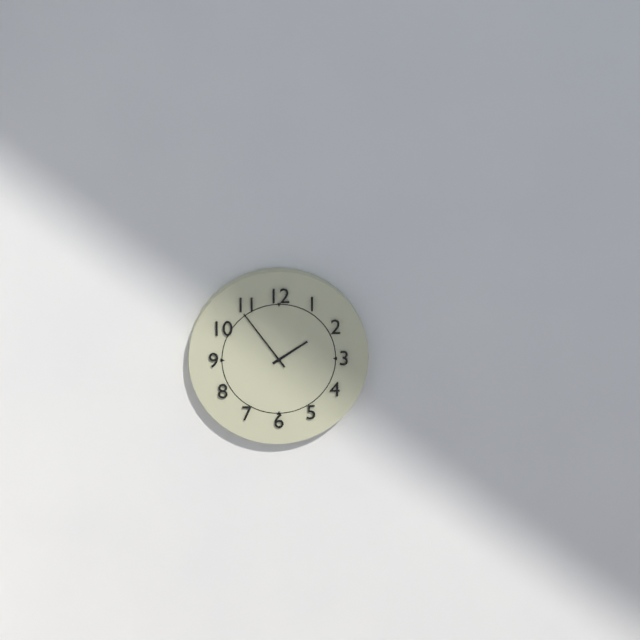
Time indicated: 1:54
